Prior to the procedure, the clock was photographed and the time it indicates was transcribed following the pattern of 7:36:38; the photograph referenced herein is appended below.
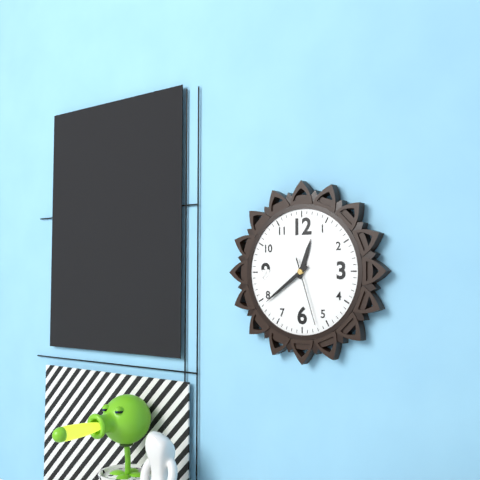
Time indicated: 12:39:27
